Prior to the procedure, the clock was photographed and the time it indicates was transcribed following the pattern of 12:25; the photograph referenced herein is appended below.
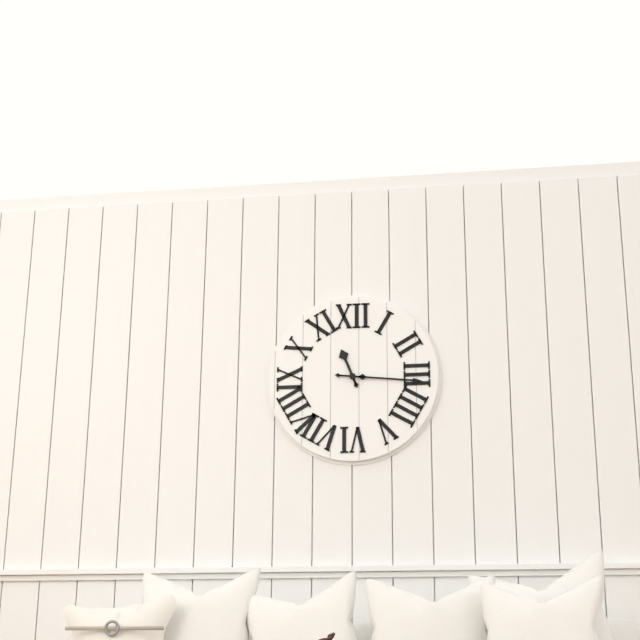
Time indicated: 11:16
